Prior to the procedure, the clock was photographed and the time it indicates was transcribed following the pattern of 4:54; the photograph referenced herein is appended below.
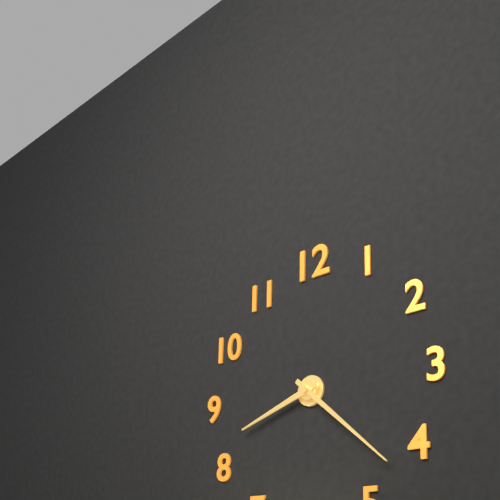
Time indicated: 8:22
